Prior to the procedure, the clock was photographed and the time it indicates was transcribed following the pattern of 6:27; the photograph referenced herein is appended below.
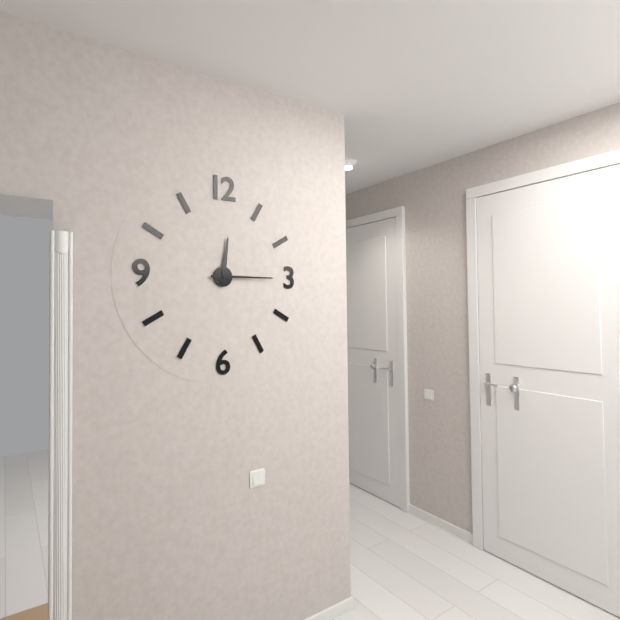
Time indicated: 12:15
